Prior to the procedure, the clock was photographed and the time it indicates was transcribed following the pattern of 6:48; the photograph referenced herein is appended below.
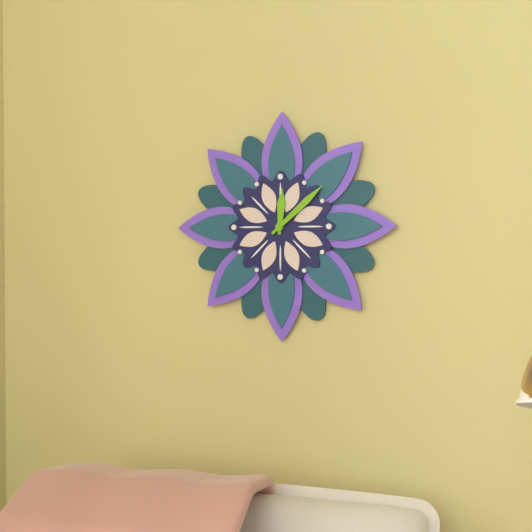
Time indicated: 12:08
